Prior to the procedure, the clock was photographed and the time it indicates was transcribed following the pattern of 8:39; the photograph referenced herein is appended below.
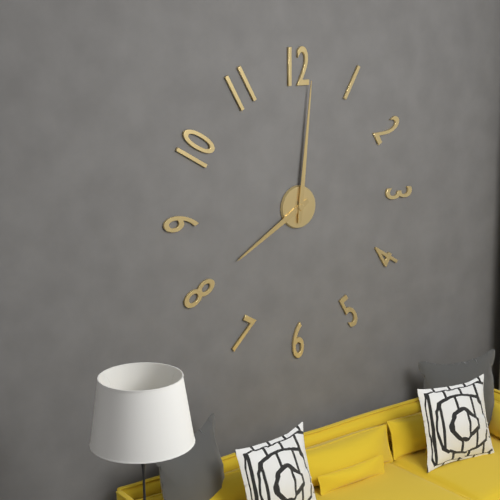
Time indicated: 8:01
